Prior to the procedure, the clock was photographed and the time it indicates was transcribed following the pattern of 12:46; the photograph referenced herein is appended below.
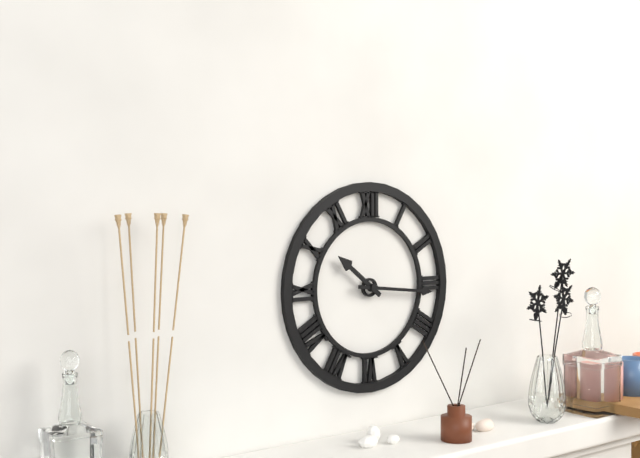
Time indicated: 10:16
